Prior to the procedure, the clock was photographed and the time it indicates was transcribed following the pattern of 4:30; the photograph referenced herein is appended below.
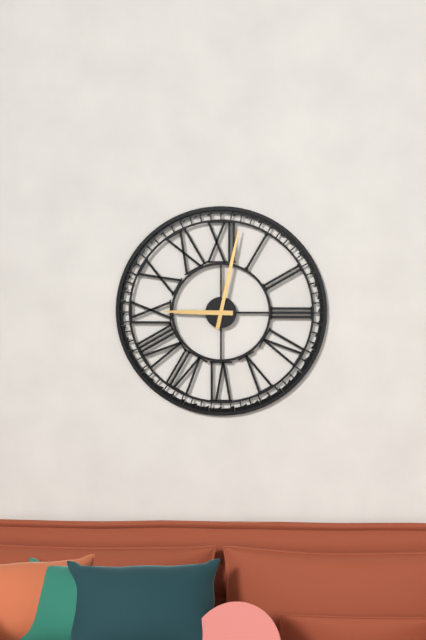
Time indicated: 9:02
